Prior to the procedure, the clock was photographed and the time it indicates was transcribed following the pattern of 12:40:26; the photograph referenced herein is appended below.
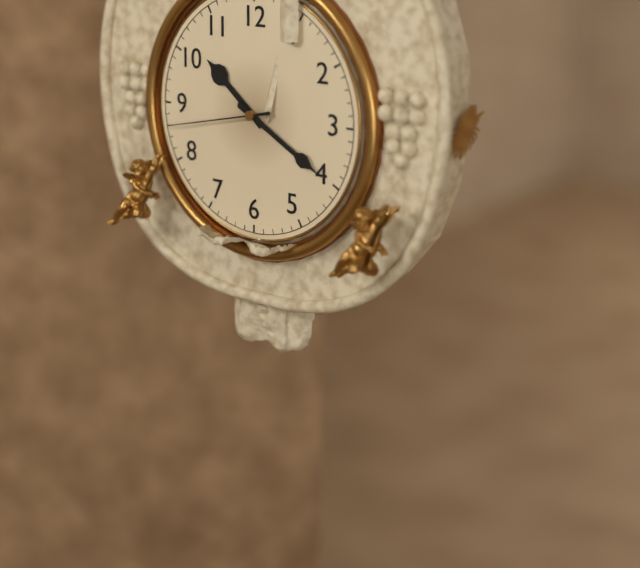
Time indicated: 10:20:43
